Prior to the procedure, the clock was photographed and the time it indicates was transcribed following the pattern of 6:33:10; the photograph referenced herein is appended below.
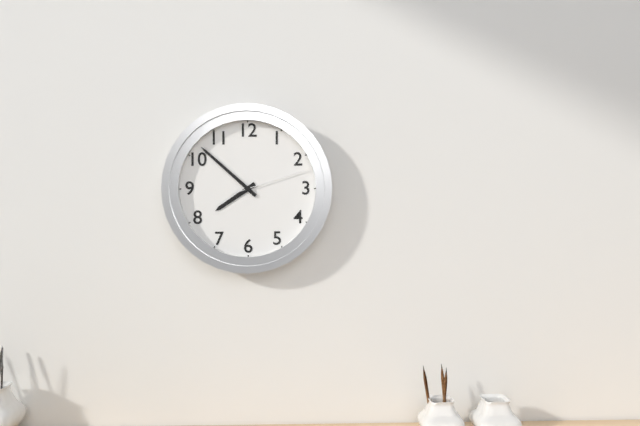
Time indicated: 7:52:12
